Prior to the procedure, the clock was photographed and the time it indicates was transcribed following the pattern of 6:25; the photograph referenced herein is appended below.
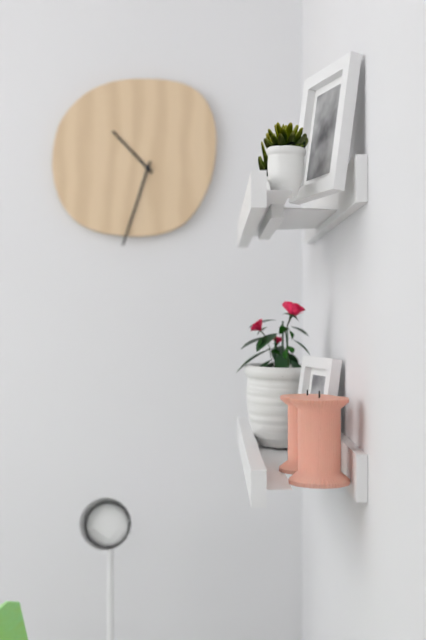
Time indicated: 10:33
